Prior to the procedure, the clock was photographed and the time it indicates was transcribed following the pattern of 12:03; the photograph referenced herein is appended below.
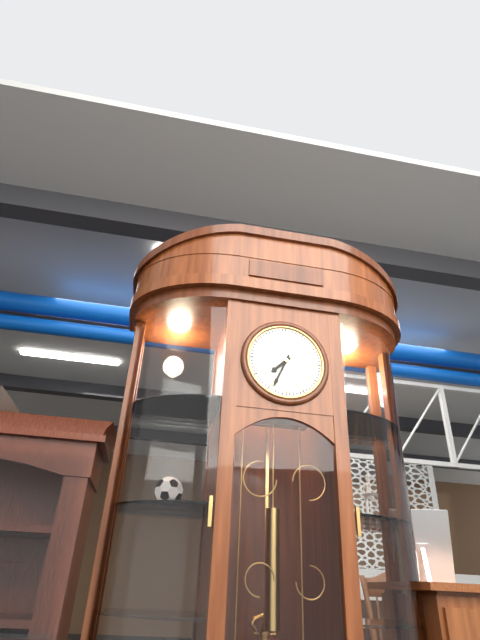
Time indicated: 7:34
